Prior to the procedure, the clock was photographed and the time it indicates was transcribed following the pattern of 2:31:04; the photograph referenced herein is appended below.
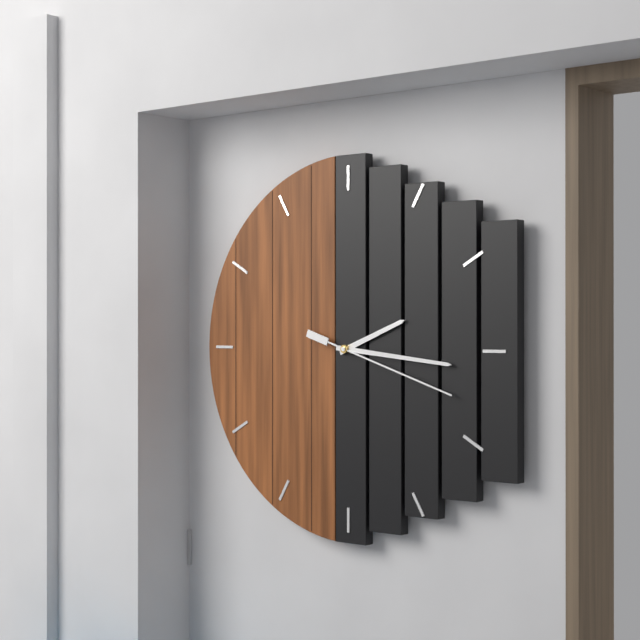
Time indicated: 2:16:18
